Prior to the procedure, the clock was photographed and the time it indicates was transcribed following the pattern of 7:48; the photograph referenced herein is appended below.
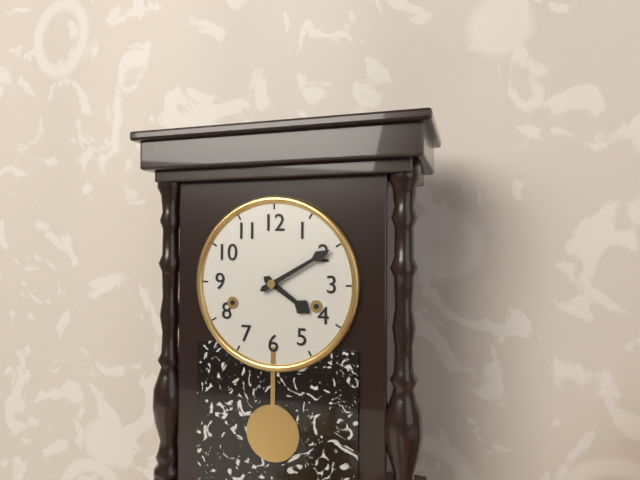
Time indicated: 4:10
